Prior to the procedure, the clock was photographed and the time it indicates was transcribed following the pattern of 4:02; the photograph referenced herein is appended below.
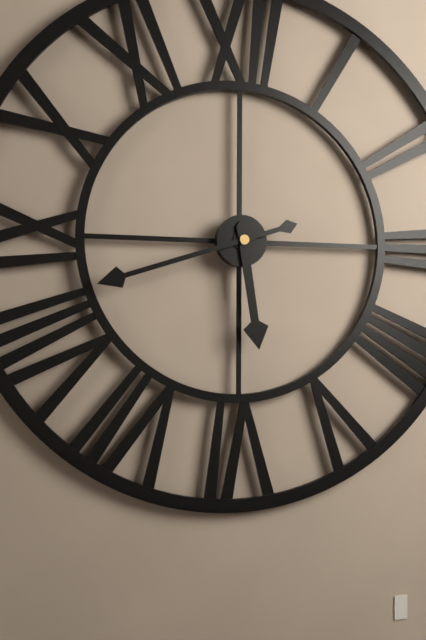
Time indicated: 5:42
